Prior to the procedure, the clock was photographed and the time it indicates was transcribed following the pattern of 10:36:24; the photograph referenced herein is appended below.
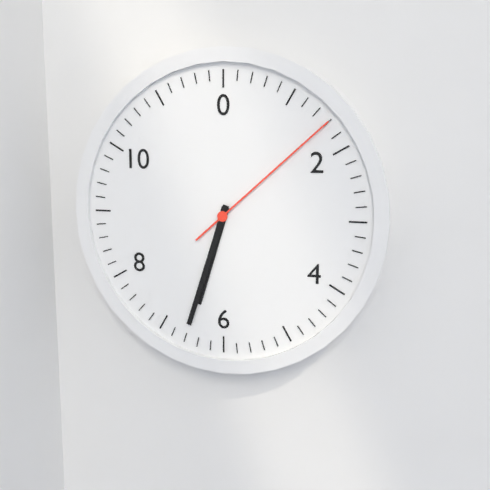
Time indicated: 6:33:08
